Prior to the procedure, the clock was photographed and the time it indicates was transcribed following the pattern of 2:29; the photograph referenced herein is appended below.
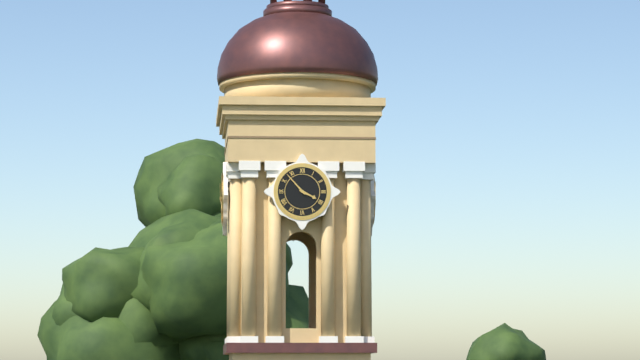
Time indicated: 3:53
